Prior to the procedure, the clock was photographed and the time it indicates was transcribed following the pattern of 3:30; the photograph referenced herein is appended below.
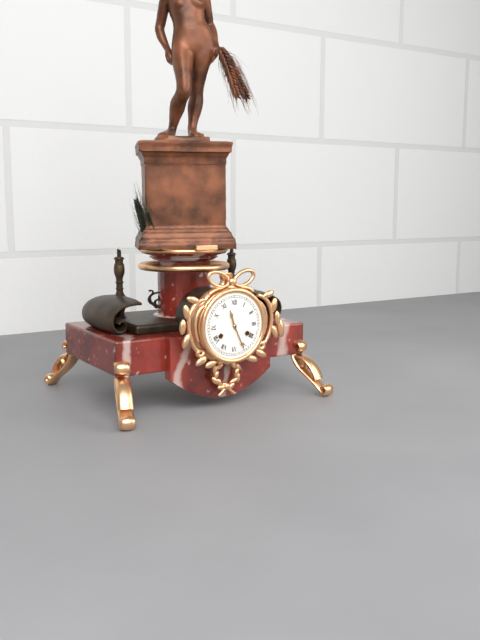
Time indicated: 11:26
